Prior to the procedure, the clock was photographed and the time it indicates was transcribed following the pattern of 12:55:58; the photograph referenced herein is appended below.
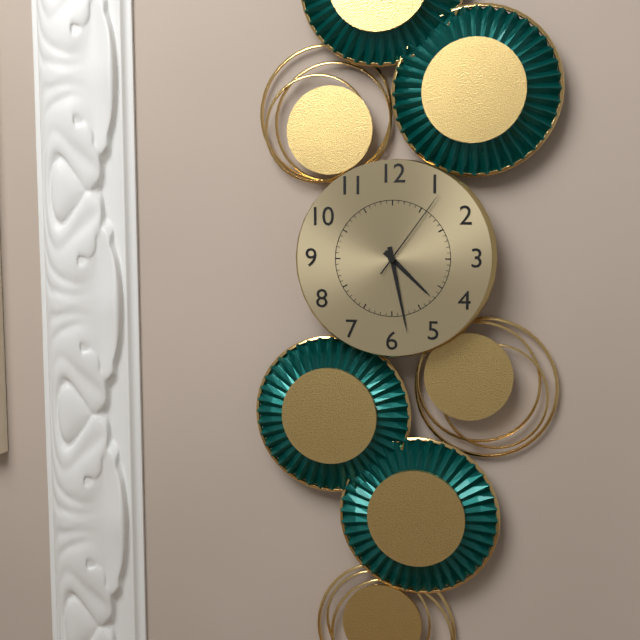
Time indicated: 4:28:06
